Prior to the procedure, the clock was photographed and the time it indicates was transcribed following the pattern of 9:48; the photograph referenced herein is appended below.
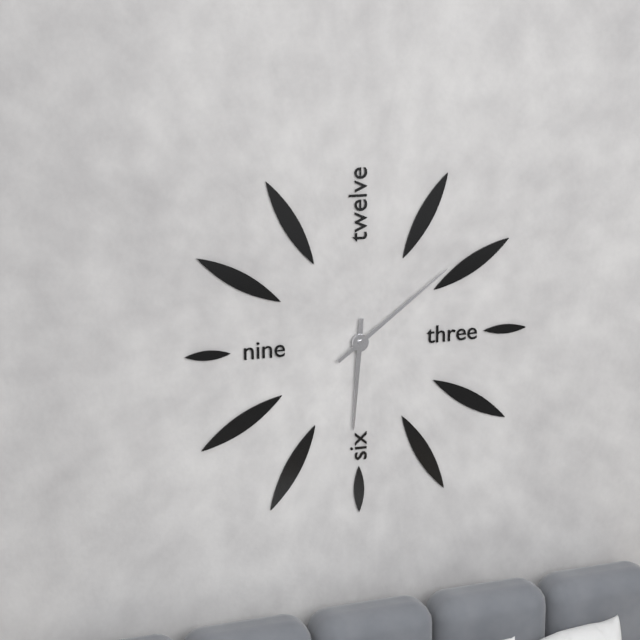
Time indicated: 6:09
